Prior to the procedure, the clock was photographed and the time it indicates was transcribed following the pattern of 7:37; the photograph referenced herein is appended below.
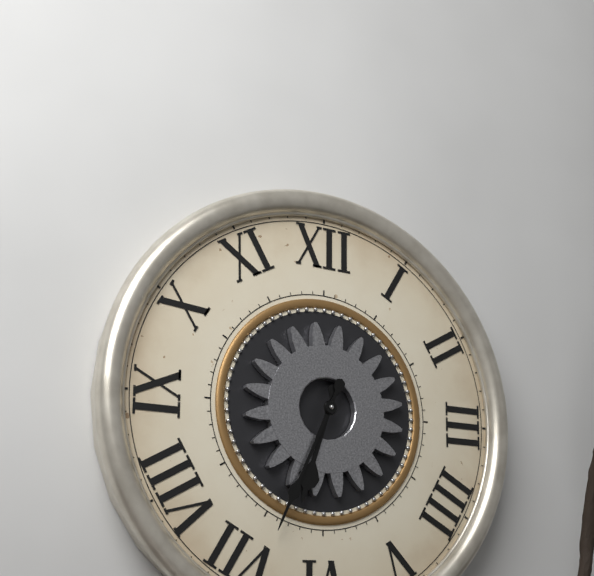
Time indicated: 6:34
